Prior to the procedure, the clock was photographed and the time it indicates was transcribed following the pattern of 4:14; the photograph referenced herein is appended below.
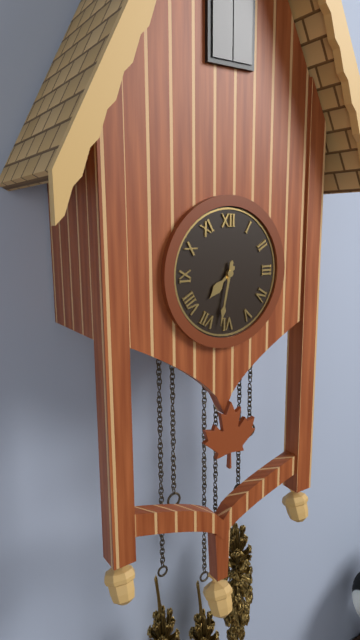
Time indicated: 7:32
